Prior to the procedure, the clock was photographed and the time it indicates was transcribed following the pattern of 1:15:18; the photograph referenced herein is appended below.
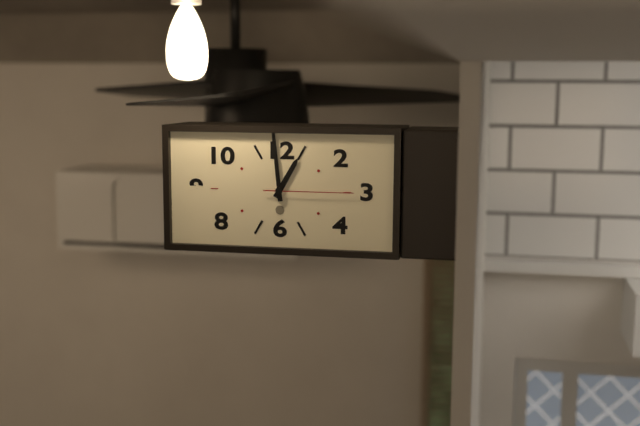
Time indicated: 12:59:15
